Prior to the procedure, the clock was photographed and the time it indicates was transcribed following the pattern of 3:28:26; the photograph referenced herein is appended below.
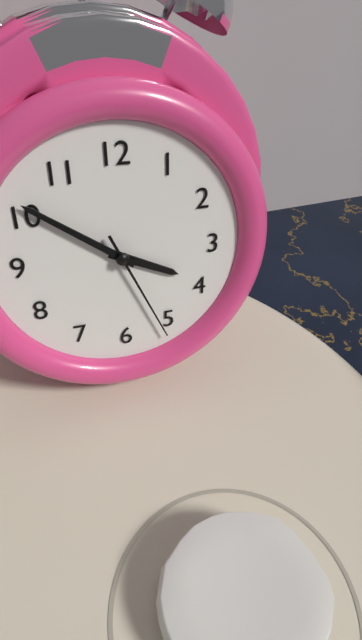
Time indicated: 3:51:26
